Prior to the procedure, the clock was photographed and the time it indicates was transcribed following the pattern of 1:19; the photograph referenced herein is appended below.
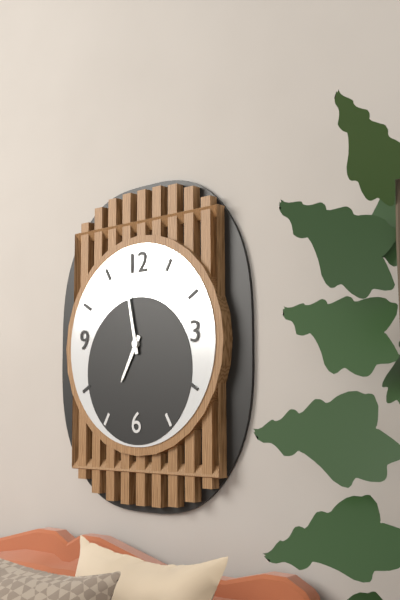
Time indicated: 6:58
